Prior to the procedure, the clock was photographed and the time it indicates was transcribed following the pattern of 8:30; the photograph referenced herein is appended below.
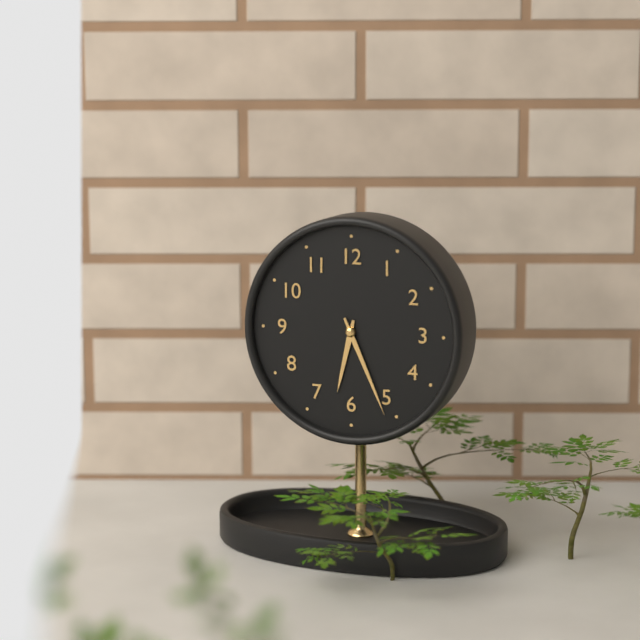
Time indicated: 6:26
